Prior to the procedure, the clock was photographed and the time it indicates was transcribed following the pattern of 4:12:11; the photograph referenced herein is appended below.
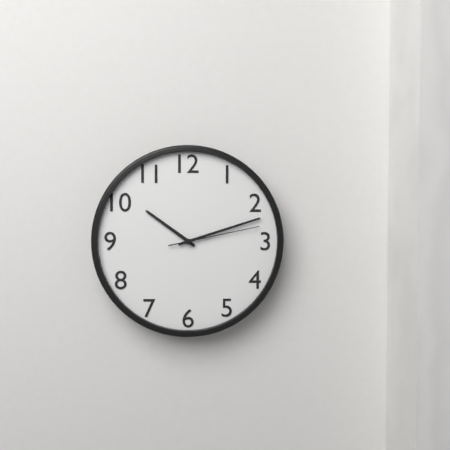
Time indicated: 10:12:13
